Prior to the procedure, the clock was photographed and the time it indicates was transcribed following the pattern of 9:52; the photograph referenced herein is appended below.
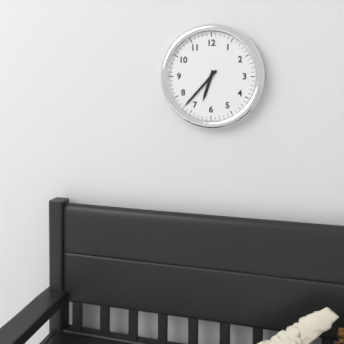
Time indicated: 6:37
